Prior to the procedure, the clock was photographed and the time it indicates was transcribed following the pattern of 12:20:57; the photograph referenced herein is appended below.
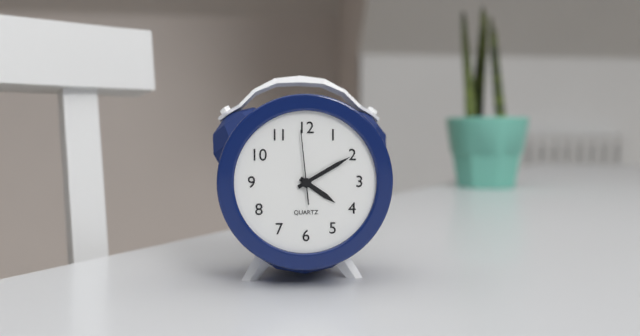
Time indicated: 4:10:59
